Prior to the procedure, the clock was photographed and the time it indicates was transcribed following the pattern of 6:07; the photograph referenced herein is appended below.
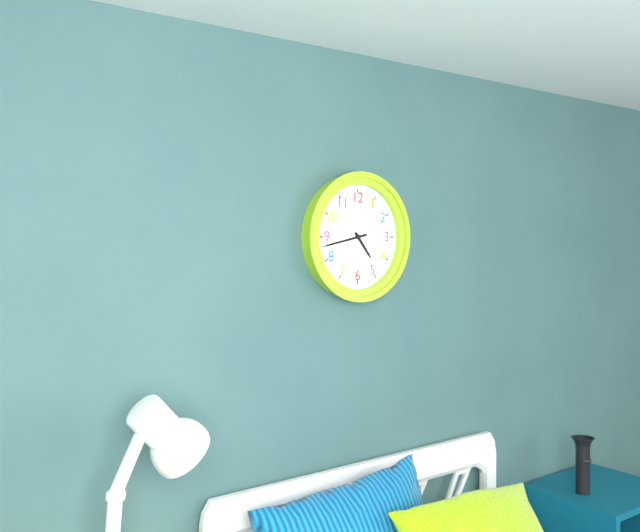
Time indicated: 4:43
